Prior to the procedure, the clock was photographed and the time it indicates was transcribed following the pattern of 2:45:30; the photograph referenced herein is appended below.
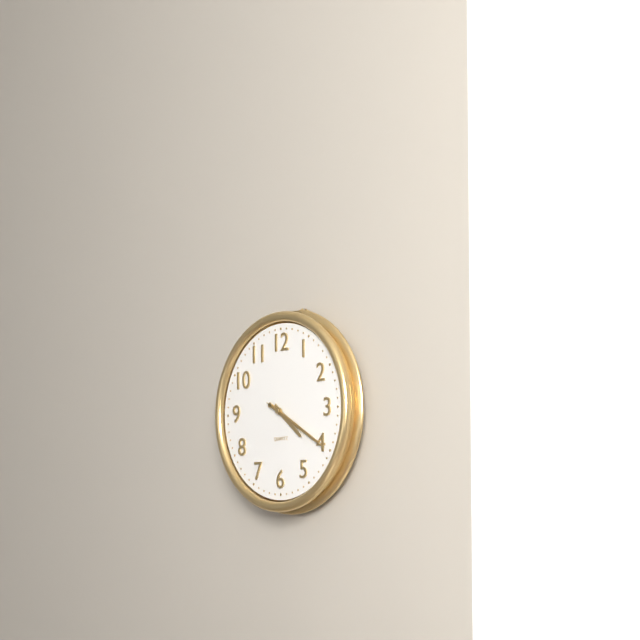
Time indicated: 4:20:20
